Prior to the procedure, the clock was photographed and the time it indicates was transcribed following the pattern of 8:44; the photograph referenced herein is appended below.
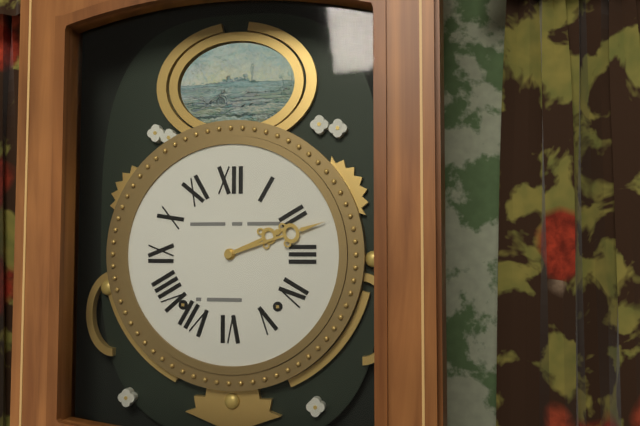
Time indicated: 2:12
